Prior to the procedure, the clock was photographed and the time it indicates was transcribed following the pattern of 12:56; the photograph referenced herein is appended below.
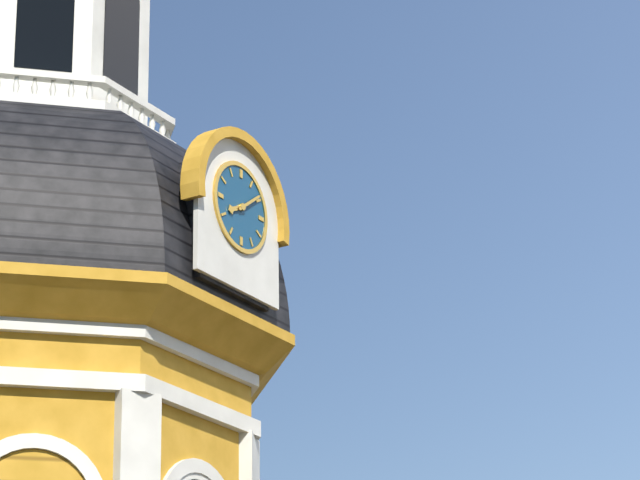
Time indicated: 8:09
